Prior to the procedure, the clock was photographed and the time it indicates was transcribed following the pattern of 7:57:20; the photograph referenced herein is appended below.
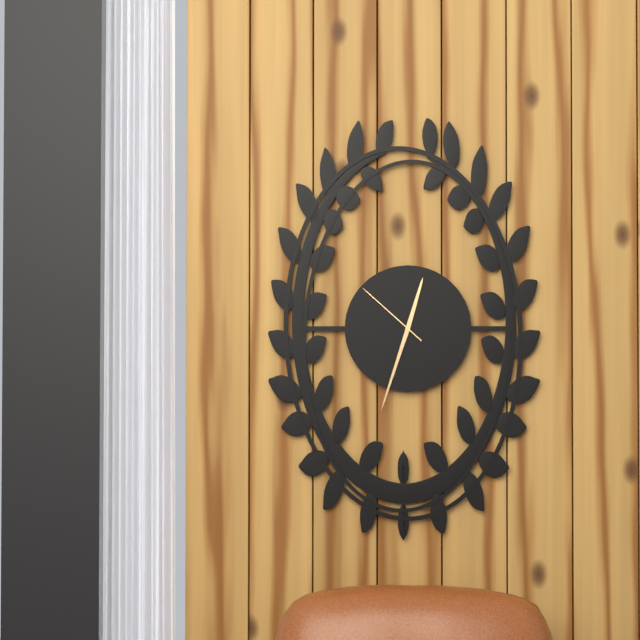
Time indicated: 12:33:52
